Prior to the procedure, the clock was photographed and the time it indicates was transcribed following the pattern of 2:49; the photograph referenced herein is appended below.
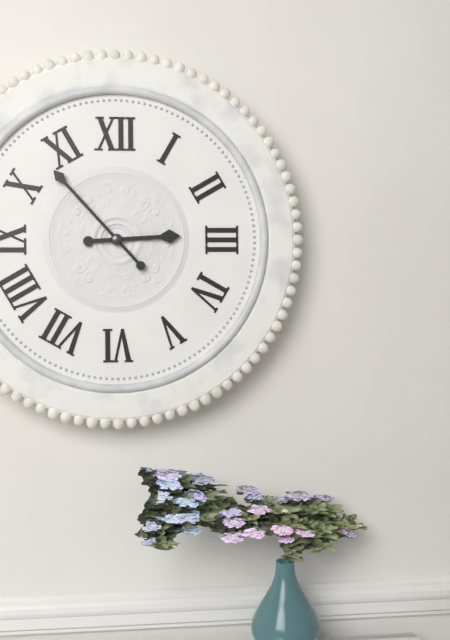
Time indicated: 2:53
